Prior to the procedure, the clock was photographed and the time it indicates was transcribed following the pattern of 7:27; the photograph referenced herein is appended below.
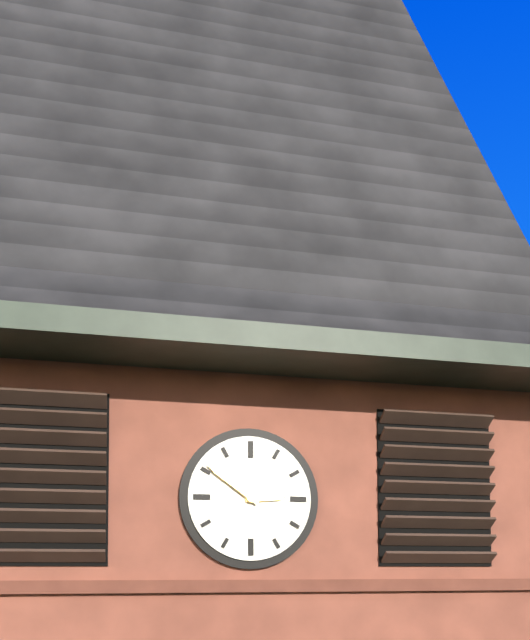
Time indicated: 2:51
